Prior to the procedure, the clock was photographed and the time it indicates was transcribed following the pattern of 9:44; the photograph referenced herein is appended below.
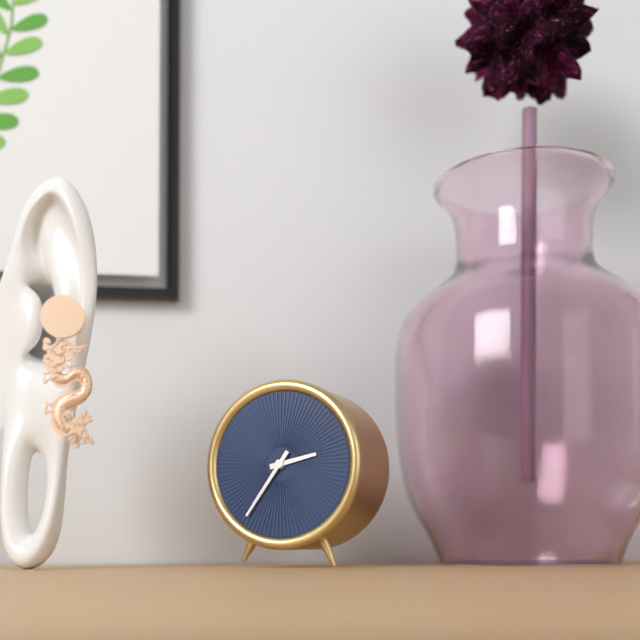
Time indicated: 2:36
